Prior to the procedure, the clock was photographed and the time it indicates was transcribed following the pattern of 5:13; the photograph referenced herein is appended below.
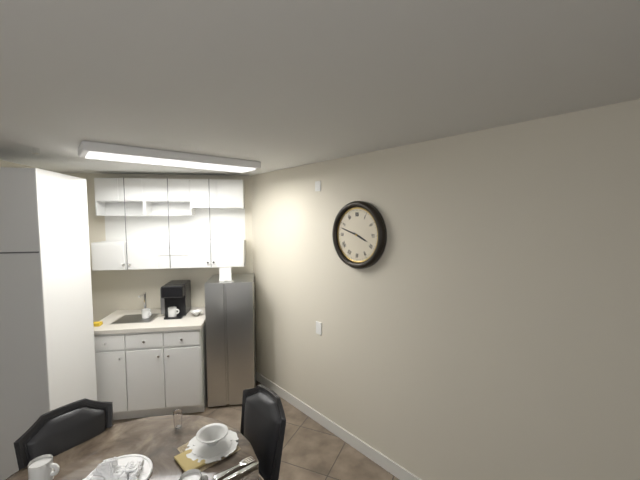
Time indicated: 3:48
